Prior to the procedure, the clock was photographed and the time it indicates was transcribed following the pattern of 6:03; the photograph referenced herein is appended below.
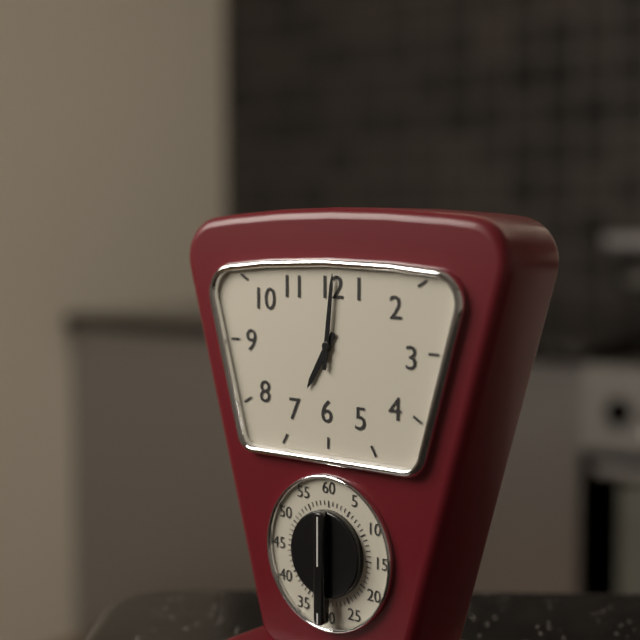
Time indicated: 7:01
